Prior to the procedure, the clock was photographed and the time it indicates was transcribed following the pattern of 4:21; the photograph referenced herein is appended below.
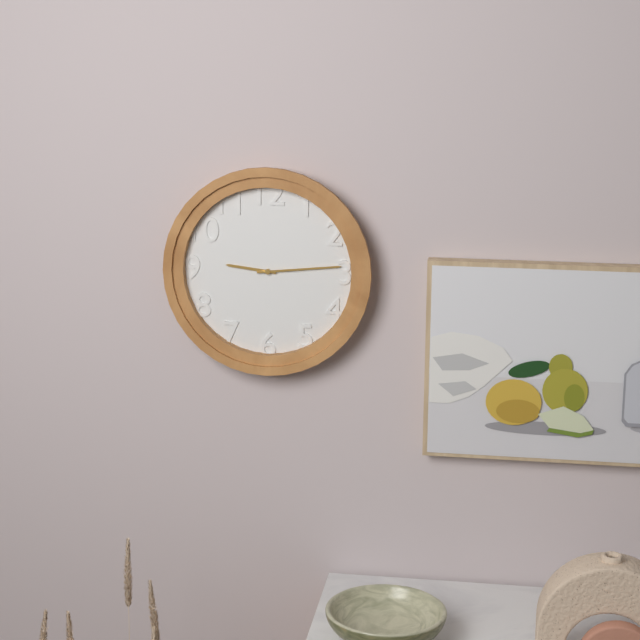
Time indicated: 9:14
